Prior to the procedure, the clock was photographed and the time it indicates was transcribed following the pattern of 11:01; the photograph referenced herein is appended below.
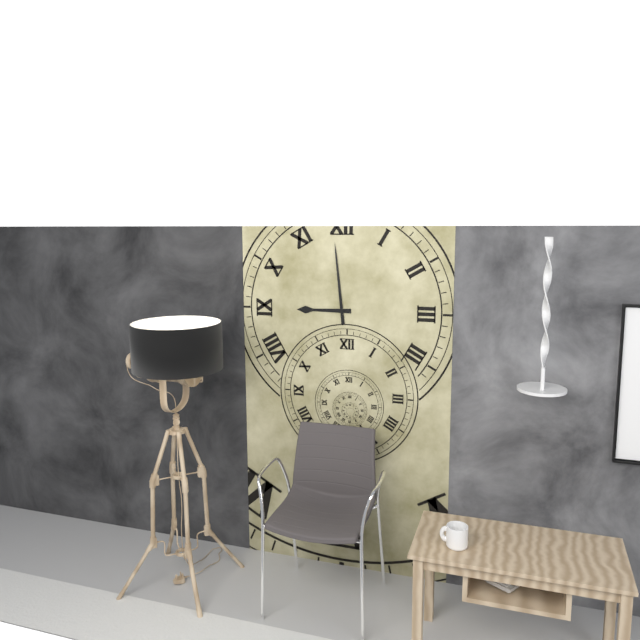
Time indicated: 8:59
